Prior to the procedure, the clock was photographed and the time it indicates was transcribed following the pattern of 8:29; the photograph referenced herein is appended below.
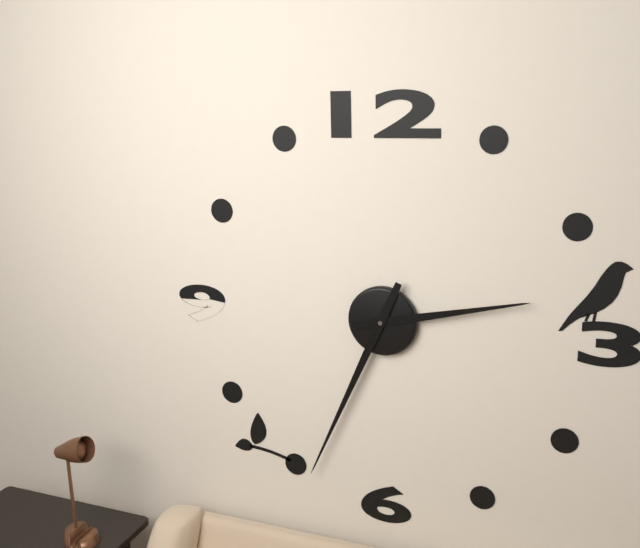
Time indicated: 2:34
